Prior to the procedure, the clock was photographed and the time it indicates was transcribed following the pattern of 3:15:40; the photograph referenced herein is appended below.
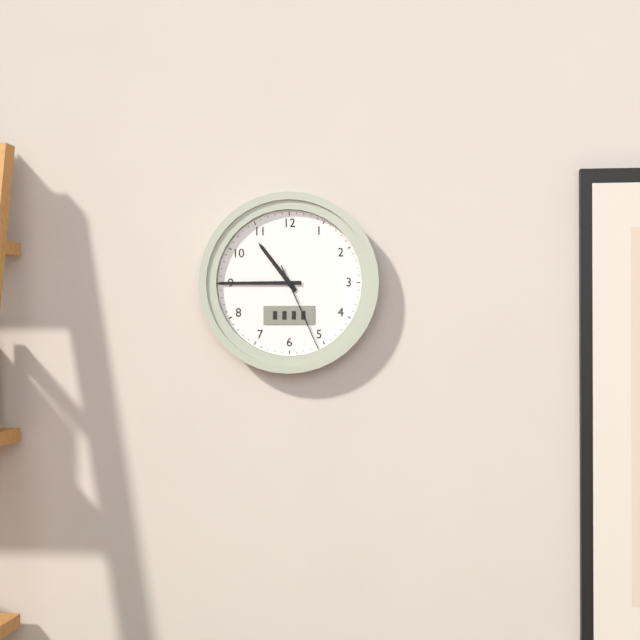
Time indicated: 10:45:26
